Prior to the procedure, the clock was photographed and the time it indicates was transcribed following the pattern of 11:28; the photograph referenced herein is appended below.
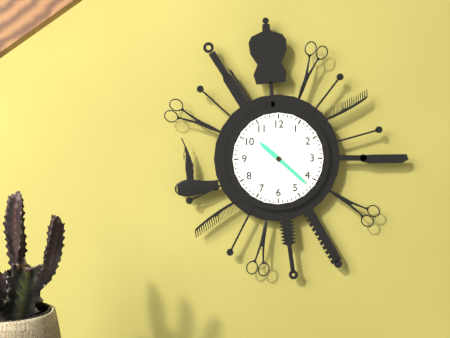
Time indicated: 10:22
